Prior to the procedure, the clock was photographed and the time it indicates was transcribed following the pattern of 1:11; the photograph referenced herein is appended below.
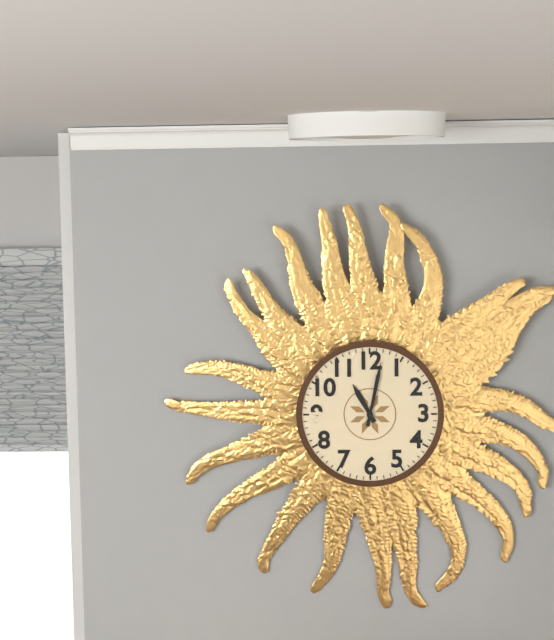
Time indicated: 11:02
